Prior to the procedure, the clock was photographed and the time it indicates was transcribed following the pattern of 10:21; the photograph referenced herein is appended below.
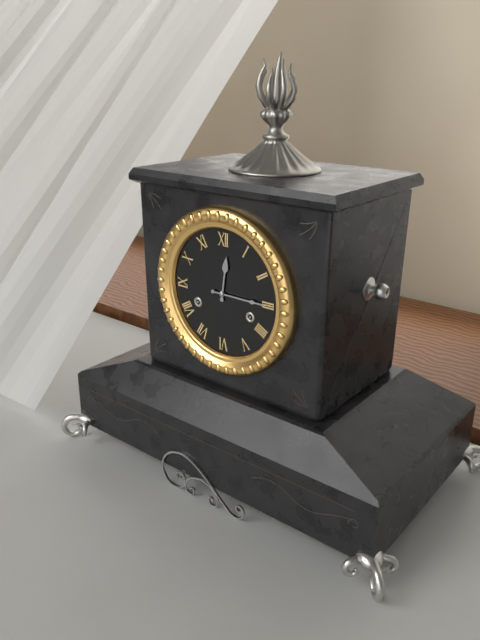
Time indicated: 12:15
